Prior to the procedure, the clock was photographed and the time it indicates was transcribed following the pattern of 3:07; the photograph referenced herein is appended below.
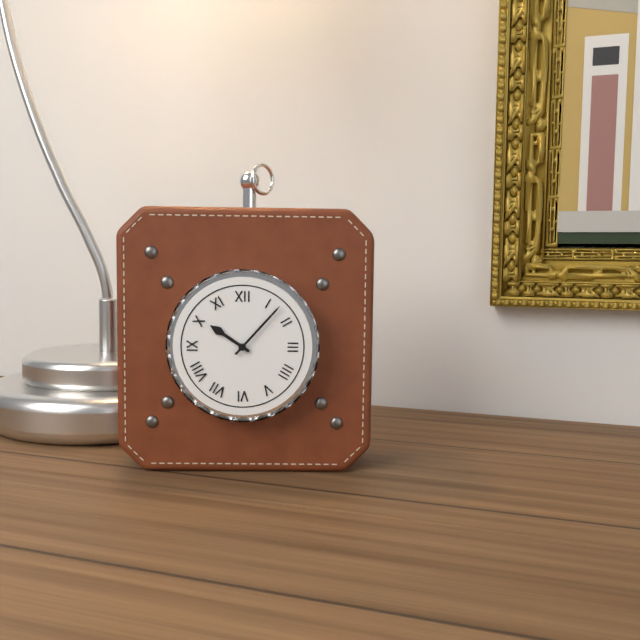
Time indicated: 10:07
